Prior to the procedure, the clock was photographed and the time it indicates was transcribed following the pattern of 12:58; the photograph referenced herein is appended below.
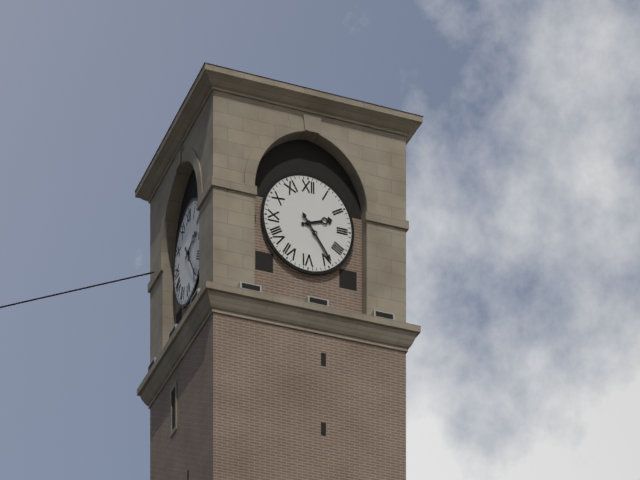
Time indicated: 2:24
